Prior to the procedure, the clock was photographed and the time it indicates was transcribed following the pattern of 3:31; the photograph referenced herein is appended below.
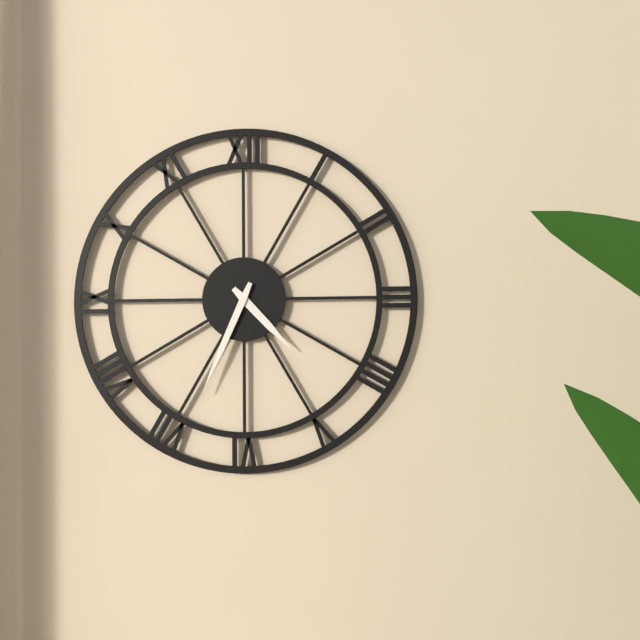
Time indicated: 4:34
